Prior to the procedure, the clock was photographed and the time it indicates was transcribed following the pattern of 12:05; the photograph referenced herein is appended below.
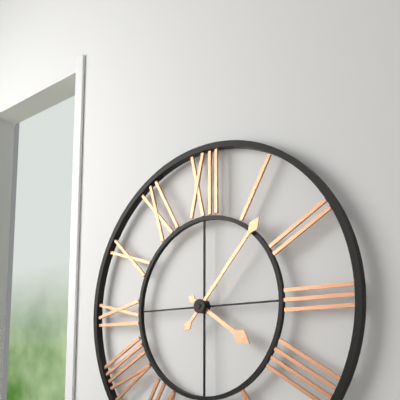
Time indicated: 4:07
